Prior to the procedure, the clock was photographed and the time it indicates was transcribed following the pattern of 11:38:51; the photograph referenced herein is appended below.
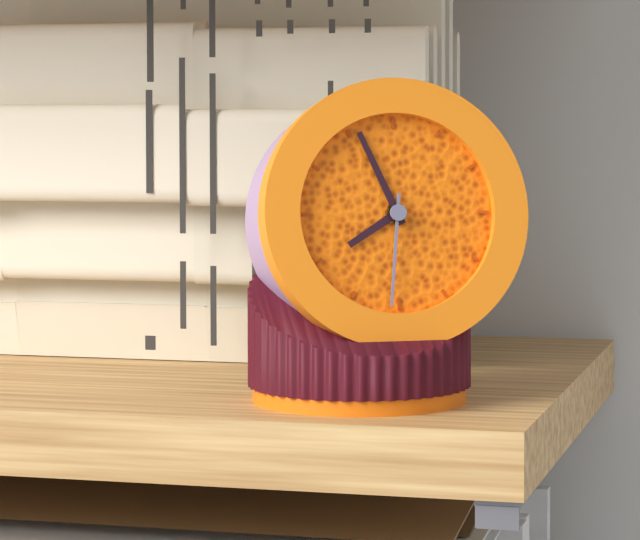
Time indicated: 7:56:31
